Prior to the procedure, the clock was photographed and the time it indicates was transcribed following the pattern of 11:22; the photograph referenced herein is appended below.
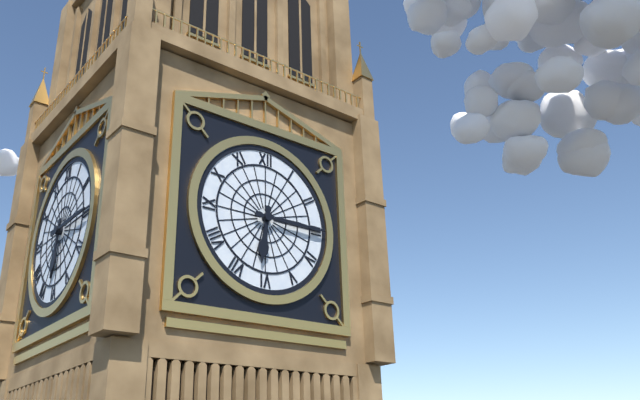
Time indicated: 6:15
